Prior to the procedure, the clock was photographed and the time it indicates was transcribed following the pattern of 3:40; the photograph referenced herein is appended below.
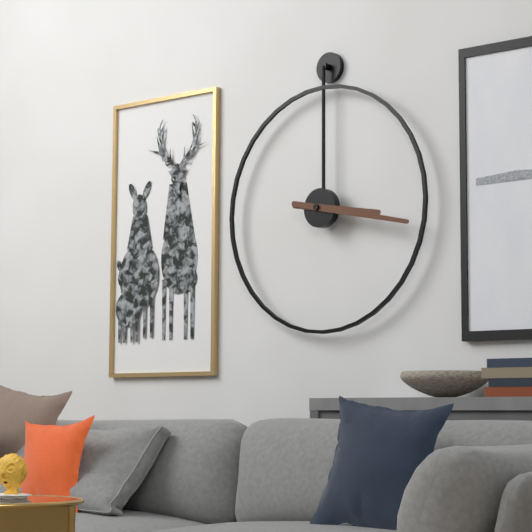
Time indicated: 3:17
